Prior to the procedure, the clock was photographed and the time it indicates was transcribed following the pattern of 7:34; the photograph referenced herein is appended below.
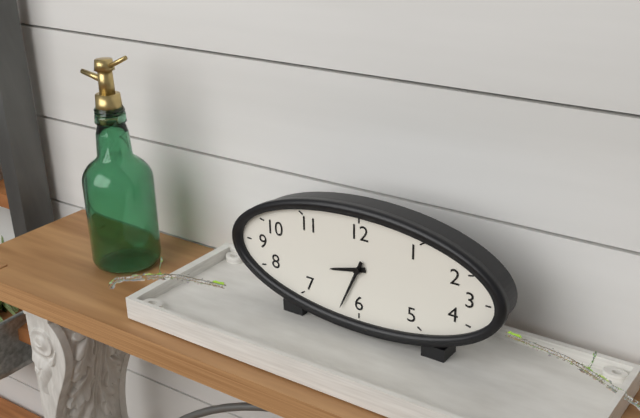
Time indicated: 8:34
